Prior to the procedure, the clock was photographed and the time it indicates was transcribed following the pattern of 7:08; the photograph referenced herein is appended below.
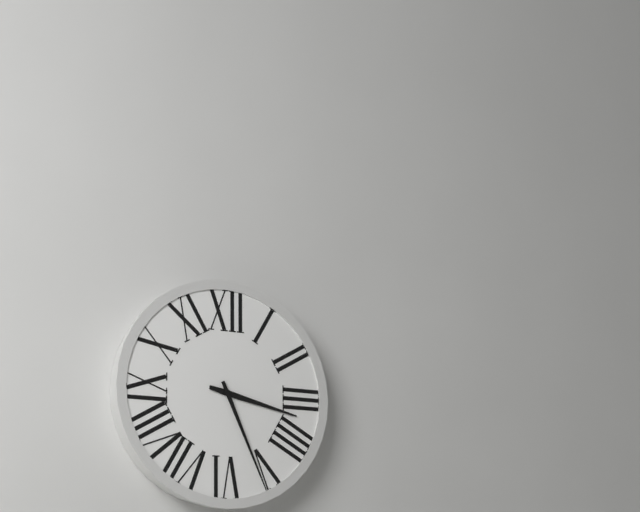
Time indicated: 3:26
